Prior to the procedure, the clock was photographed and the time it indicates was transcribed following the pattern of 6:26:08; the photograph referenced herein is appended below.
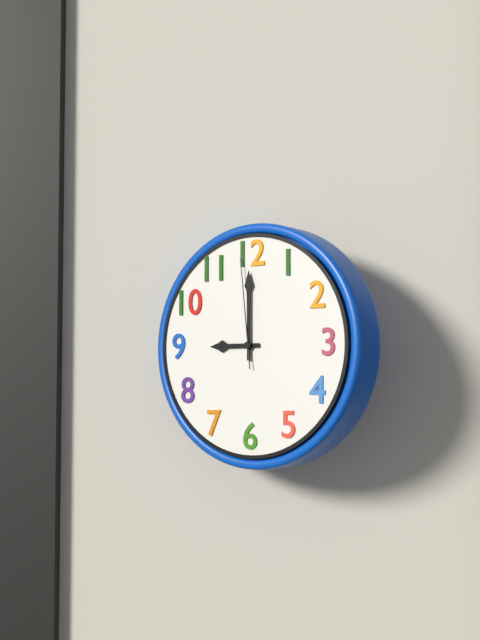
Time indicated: 9:00:59
